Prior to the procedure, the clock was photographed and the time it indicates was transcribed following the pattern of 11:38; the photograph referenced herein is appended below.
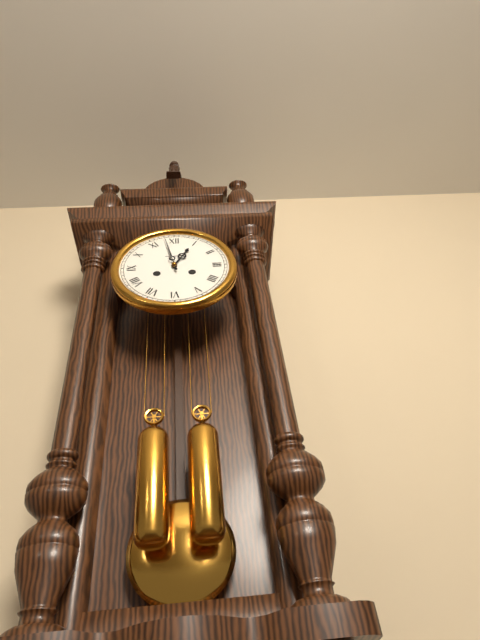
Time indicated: 12:58
